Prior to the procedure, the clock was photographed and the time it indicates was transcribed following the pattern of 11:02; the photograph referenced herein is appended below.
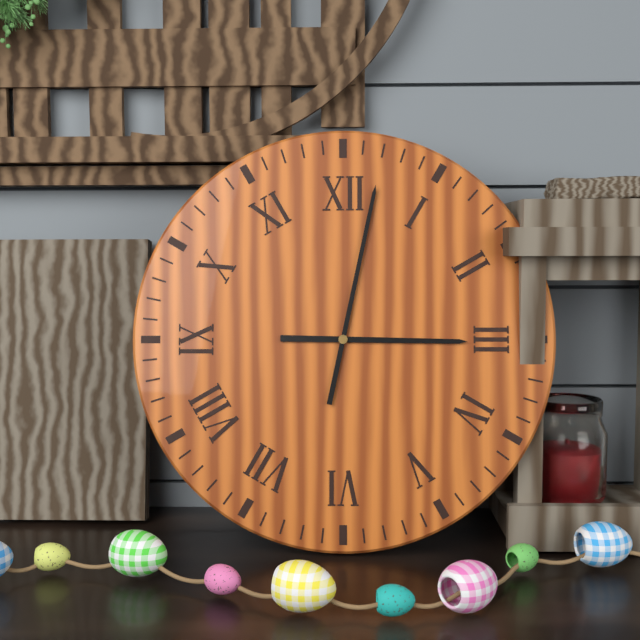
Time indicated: 3:02
